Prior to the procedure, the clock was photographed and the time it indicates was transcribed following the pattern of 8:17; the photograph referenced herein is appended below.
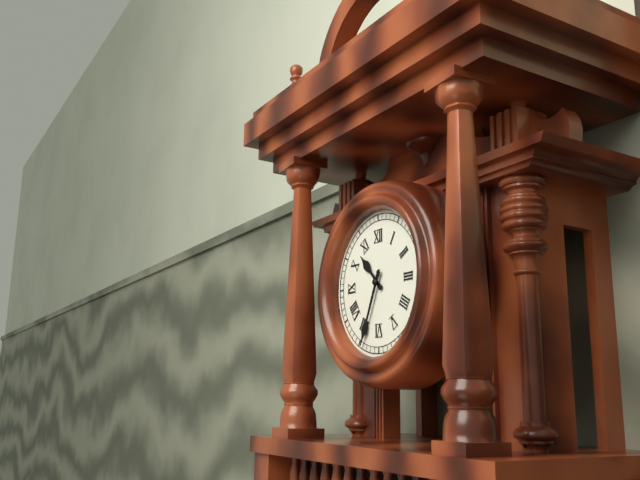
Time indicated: 10:34
